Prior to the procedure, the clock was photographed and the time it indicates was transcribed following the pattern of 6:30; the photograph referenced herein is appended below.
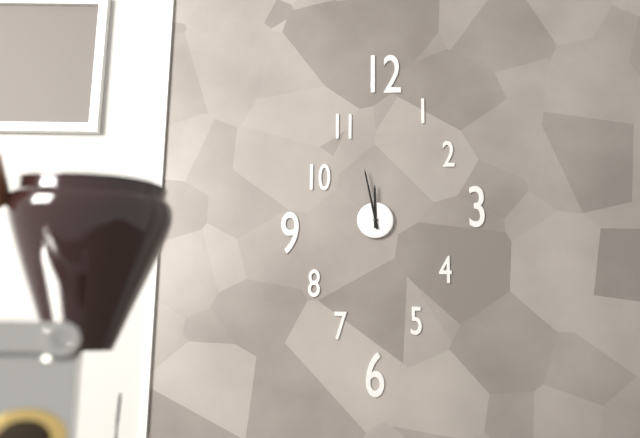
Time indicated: 11:58
